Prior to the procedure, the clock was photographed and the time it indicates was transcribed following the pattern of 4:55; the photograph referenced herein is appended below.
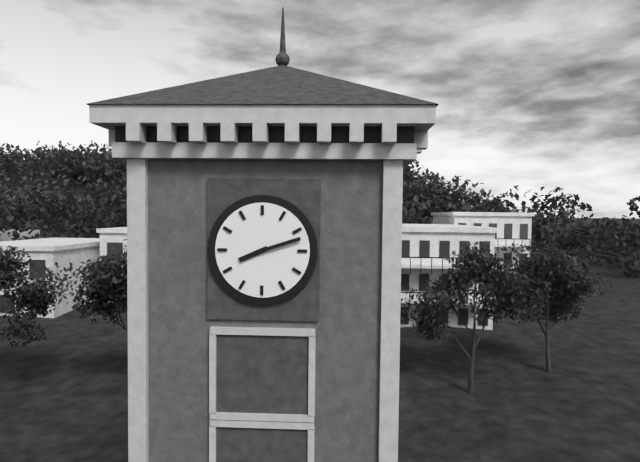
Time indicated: 8:12
